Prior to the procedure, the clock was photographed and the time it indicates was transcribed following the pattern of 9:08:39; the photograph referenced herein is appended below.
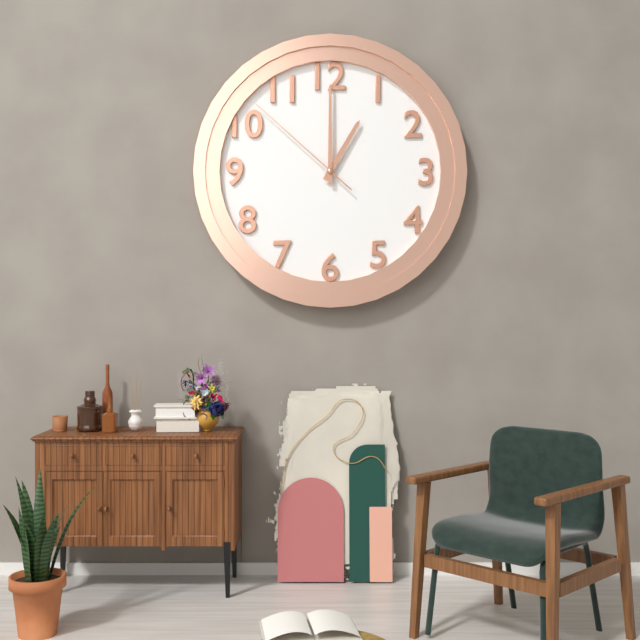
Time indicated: 1:00:52
